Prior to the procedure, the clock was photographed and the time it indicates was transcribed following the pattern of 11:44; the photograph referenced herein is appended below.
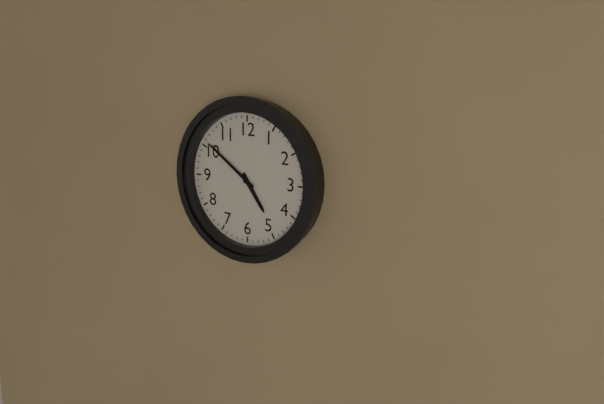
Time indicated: 4:51
